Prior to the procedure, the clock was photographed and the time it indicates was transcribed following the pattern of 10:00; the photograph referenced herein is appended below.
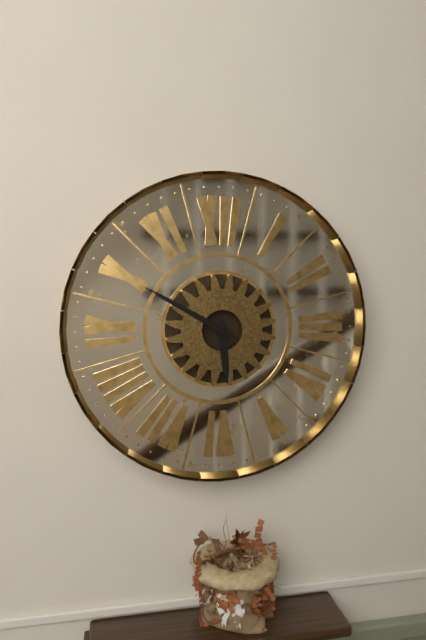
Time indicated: 5:50
